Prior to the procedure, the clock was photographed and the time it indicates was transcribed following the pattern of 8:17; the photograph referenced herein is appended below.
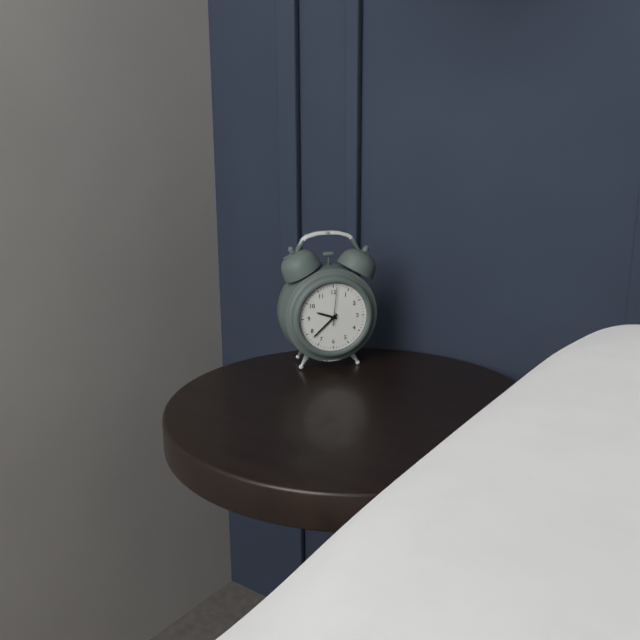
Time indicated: 9:38
